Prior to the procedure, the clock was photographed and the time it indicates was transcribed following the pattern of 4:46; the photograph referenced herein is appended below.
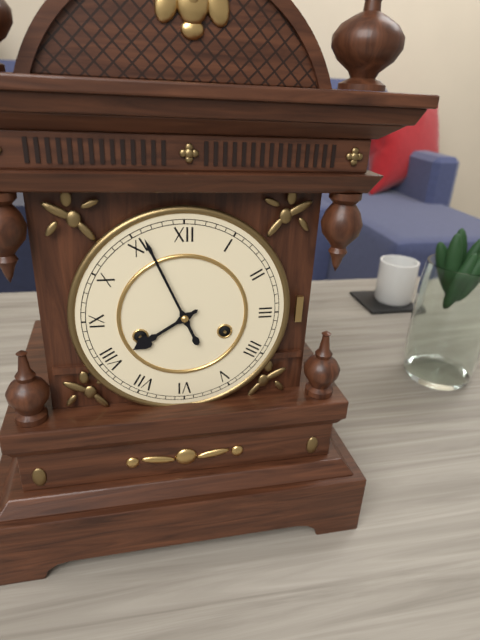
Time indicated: 7:56
